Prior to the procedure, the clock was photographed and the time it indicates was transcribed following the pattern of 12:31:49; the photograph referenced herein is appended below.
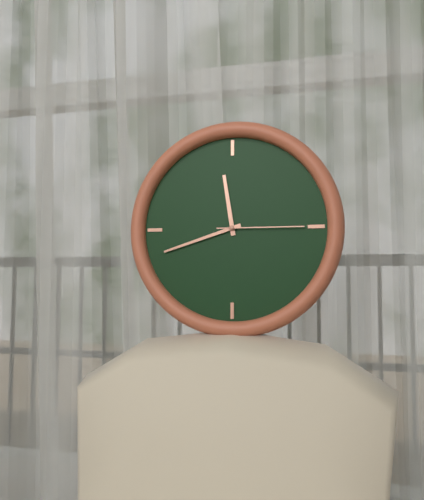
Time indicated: 11:42:15
